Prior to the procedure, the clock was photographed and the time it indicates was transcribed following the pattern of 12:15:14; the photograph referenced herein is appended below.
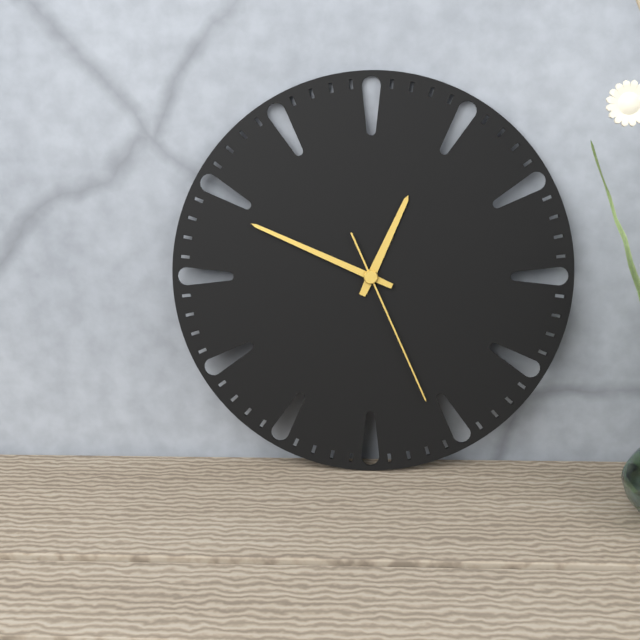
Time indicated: 12:49:26
